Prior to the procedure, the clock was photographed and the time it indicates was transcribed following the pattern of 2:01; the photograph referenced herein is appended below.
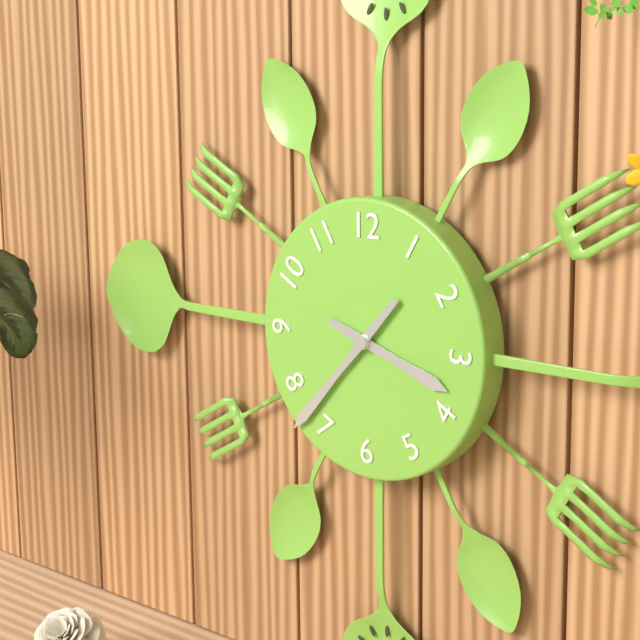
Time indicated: 3:37
